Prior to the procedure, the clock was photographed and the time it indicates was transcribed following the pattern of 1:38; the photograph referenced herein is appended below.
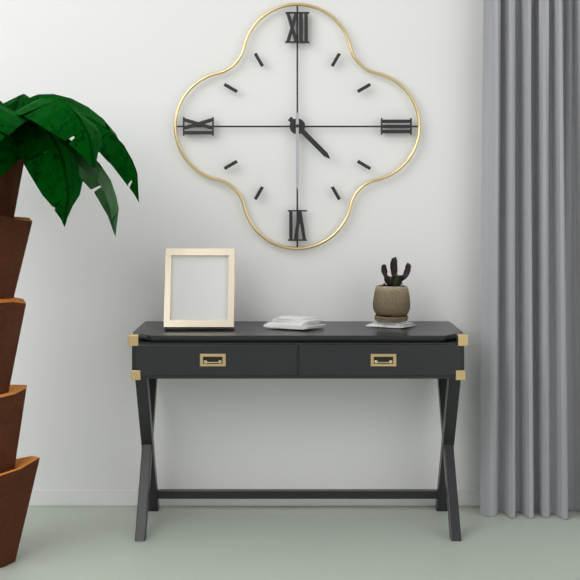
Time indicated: 4:30
